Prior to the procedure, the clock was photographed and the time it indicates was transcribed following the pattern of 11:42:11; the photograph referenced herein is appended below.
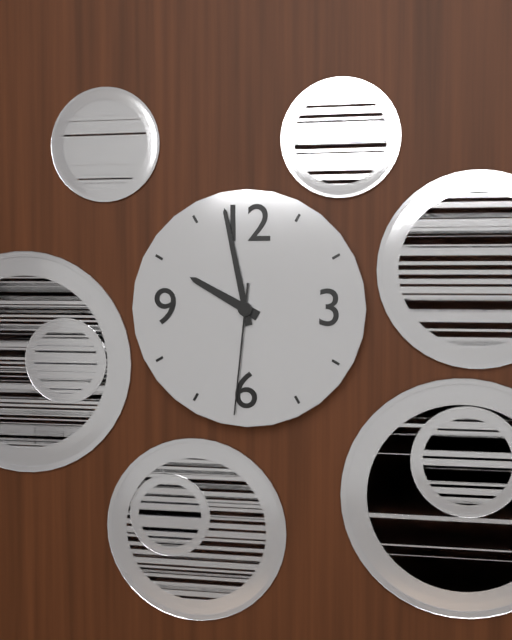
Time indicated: 9:58:31
